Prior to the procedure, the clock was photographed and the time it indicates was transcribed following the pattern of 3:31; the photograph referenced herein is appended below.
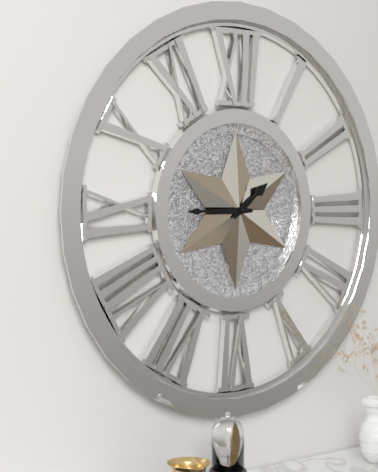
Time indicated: 1:45
